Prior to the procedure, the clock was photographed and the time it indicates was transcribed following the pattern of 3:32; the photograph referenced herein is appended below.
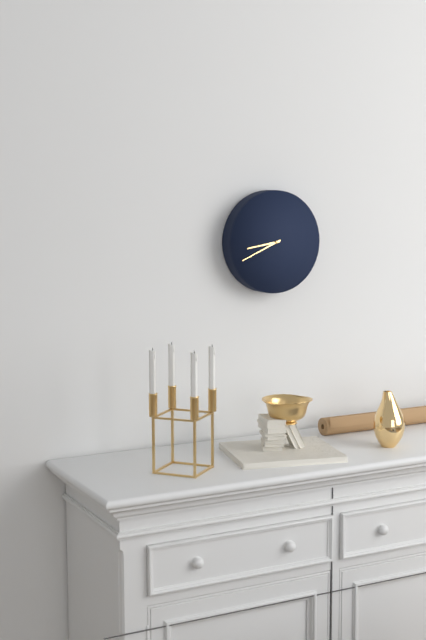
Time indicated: 8:41
